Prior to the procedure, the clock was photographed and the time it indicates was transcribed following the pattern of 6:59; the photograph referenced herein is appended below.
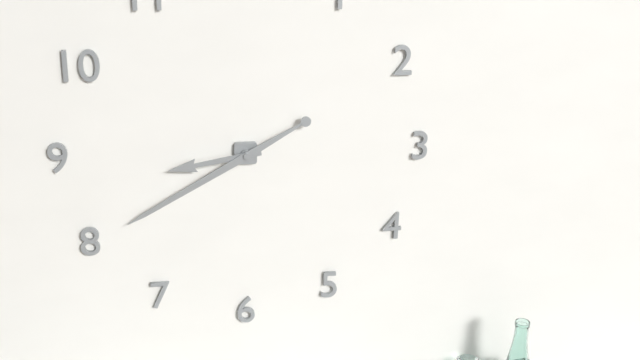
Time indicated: 8:40
